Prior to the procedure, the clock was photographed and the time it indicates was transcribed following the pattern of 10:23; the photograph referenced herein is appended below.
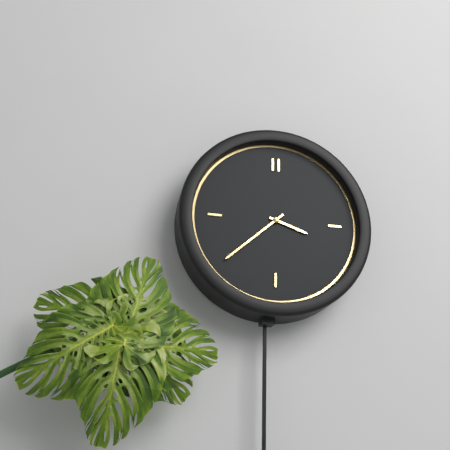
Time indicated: 3:38
